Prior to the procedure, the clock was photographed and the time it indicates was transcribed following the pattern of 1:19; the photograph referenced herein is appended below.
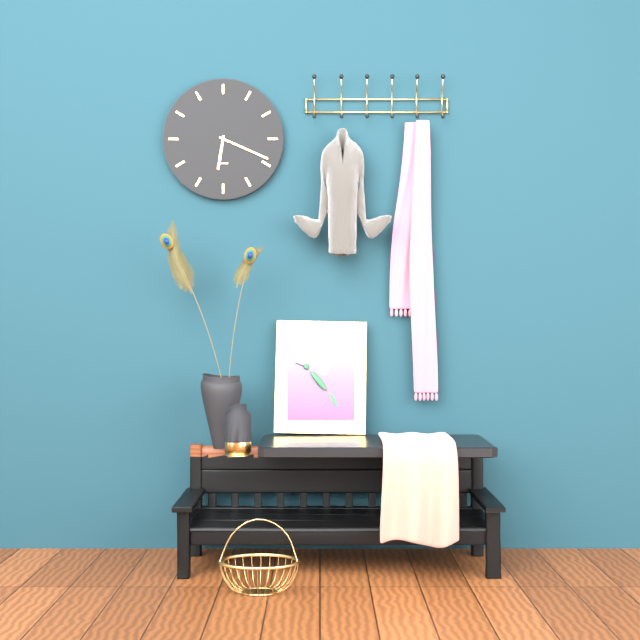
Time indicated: 6:19
